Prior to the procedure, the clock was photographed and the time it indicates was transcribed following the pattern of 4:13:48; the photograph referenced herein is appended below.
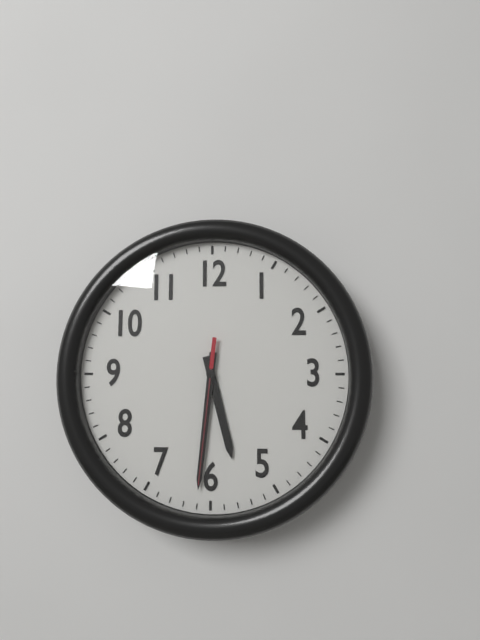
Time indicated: 5:31:31
